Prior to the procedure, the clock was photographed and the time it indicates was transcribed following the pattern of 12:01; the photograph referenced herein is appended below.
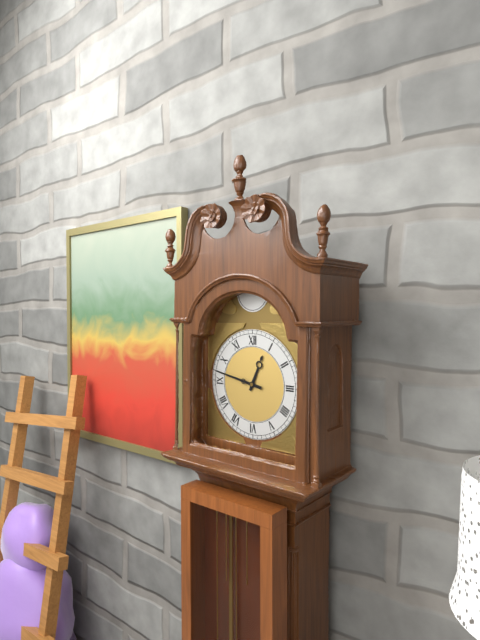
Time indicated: 12:47
